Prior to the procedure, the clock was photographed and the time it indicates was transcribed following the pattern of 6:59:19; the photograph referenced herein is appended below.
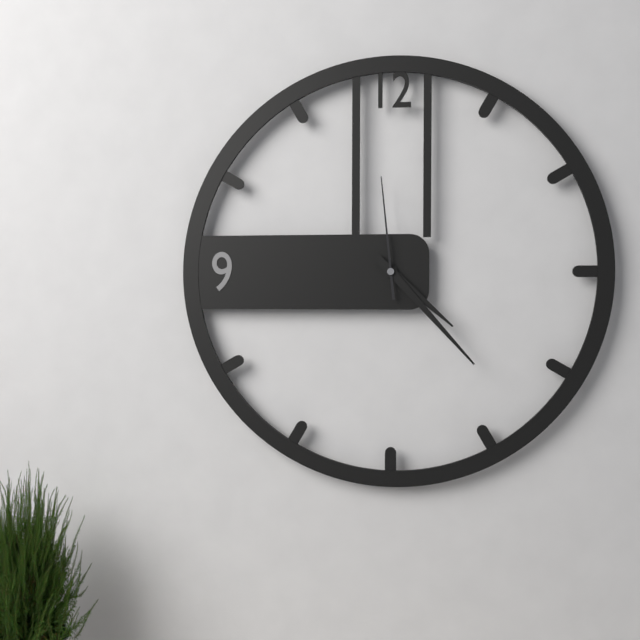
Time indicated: 4:23:59
